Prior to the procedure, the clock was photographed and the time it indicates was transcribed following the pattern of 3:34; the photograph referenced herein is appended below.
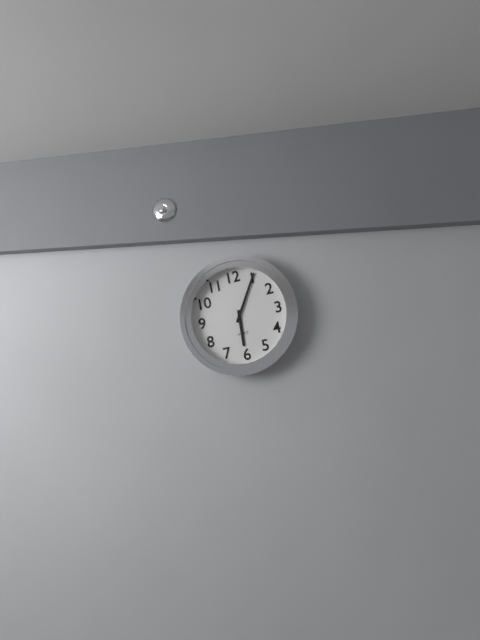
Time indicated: 6:05
